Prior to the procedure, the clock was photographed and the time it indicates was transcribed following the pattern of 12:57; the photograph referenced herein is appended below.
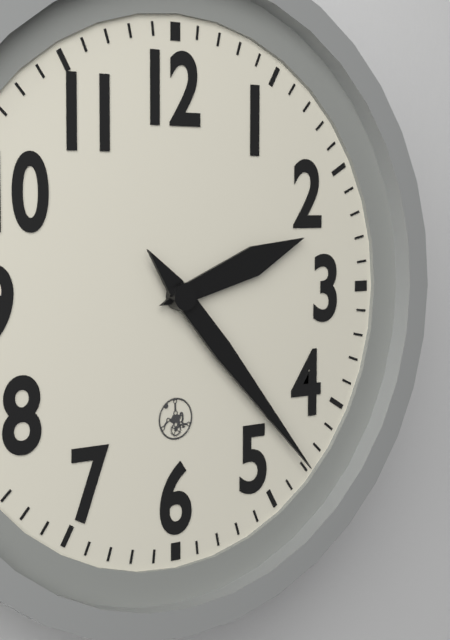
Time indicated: 2:23
